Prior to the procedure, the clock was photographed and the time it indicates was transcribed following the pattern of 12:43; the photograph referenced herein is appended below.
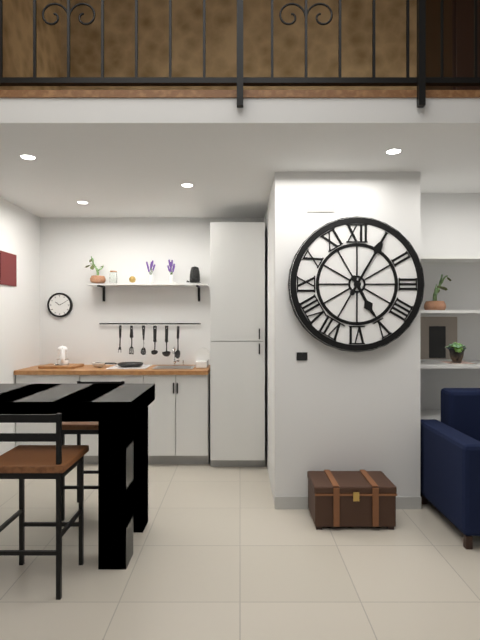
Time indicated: 5:05
